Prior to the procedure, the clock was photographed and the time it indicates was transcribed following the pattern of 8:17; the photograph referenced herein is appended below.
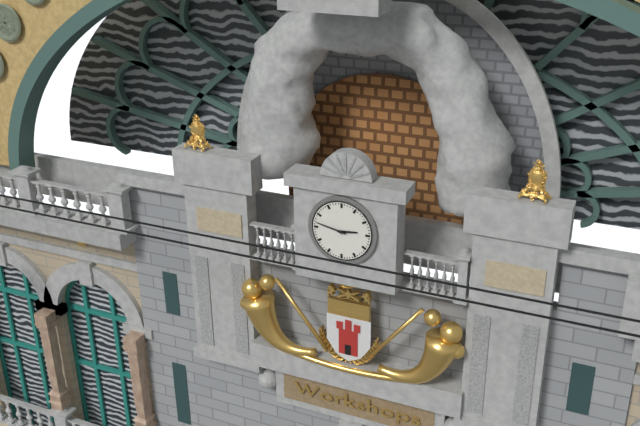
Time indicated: 2:47
